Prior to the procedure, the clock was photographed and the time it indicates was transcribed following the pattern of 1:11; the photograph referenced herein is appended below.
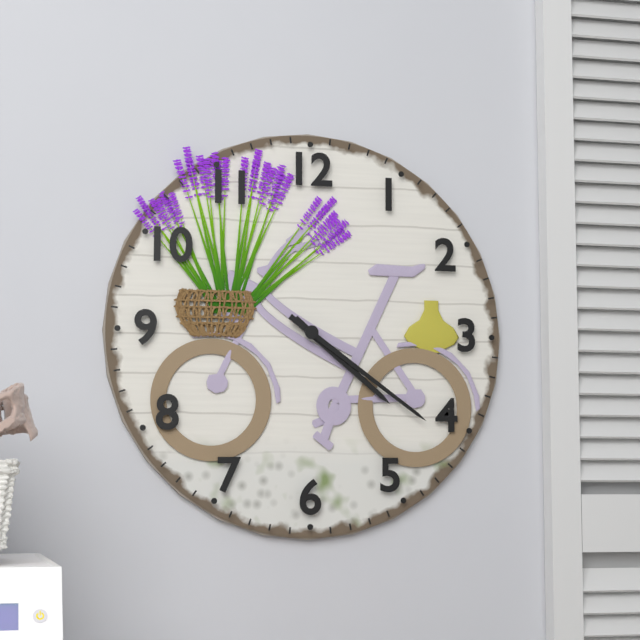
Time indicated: 4:21
